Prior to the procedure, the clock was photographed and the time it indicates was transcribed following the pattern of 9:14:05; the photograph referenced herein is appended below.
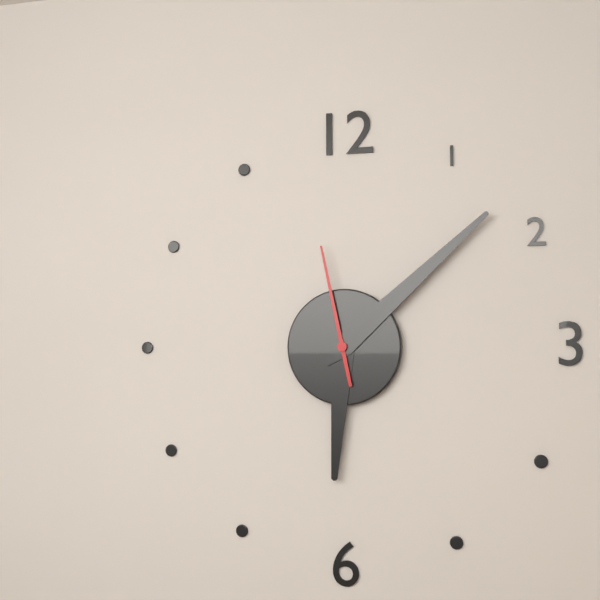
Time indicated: 6:08:58
